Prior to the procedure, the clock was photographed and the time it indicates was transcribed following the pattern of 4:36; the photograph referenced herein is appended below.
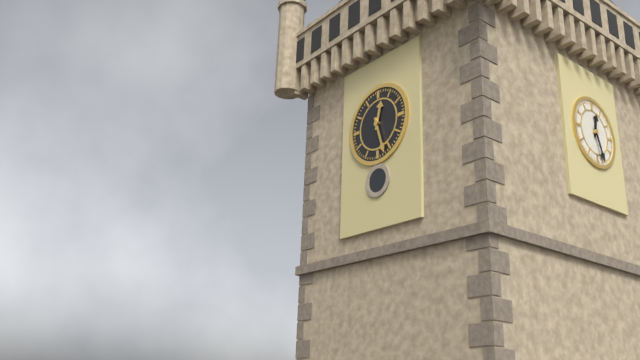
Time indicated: 12:27
